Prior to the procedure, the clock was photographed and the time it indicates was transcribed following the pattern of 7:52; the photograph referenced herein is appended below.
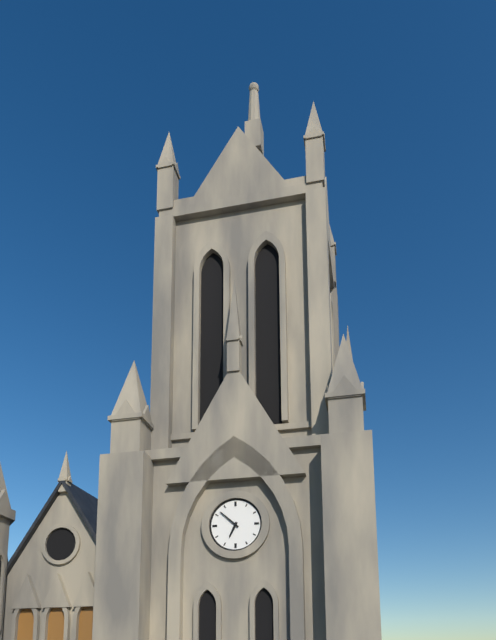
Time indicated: 6:52
